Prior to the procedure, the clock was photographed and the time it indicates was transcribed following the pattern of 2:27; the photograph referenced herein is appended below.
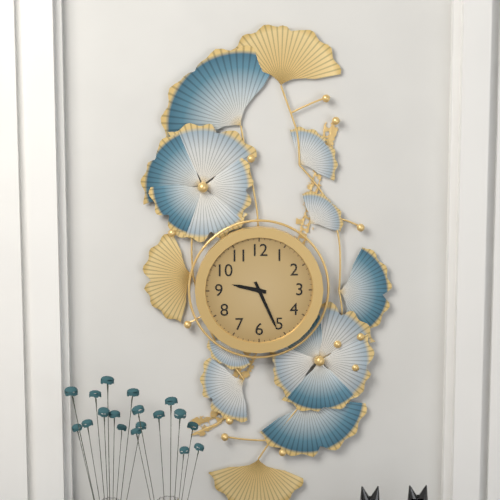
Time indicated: 9:26
